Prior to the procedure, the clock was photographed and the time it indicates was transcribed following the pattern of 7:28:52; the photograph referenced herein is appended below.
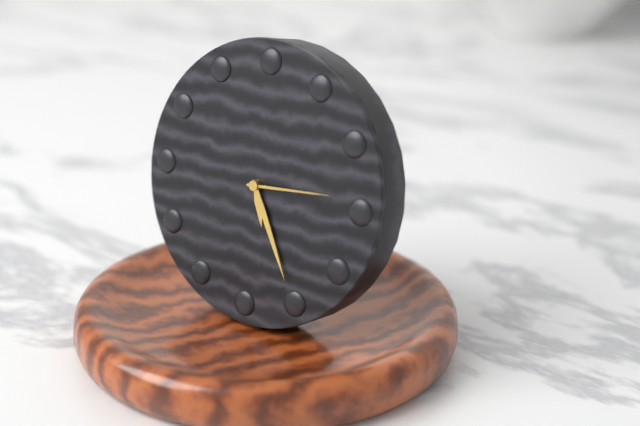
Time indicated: 5:25:14
